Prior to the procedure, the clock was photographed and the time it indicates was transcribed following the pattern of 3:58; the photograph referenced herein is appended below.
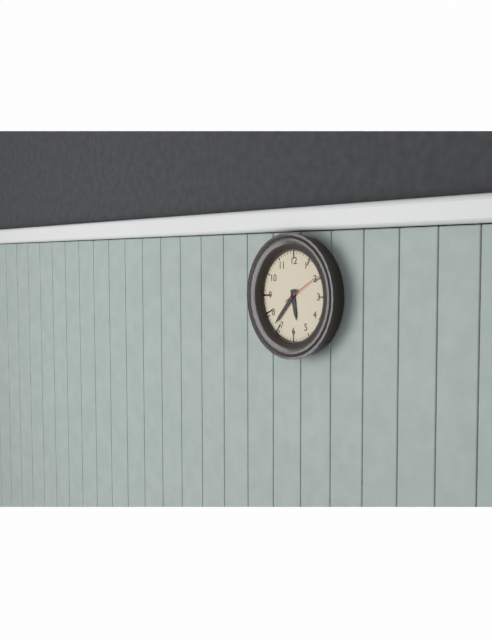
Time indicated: 5:37
